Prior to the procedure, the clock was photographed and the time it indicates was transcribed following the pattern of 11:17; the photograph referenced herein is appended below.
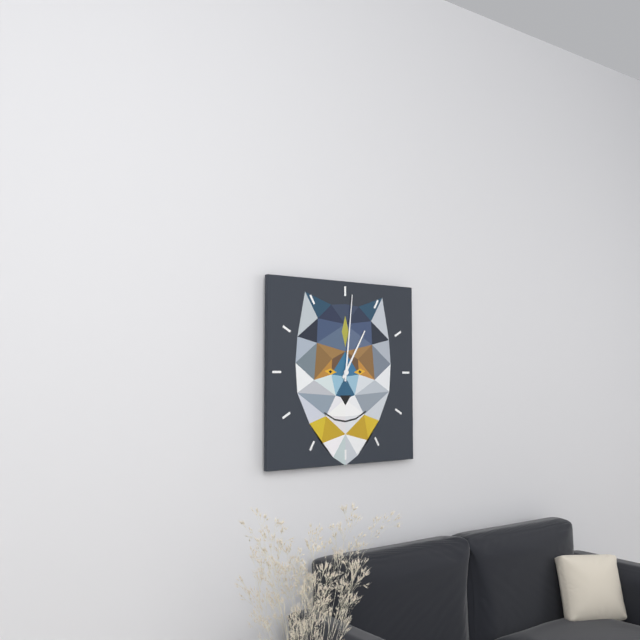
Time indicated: 1:01
